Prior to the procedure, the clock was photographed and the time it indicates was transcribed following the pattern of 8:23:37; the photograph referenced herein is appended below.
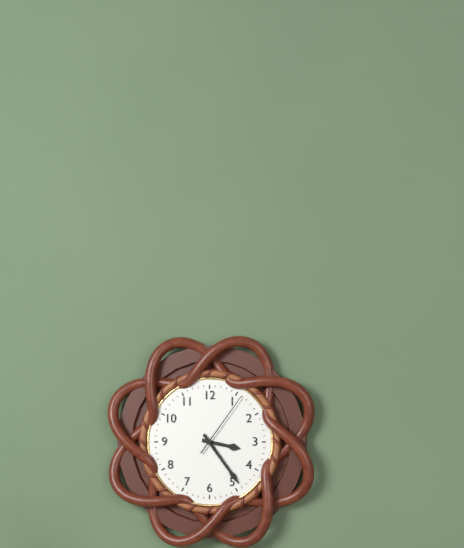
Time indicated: 3:24:06
